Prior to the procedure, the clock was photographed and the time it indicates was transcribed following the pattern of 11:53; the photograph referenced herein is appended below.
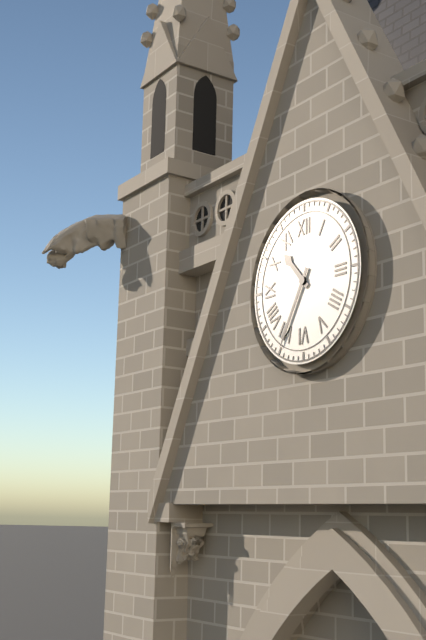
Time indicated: 10:35
